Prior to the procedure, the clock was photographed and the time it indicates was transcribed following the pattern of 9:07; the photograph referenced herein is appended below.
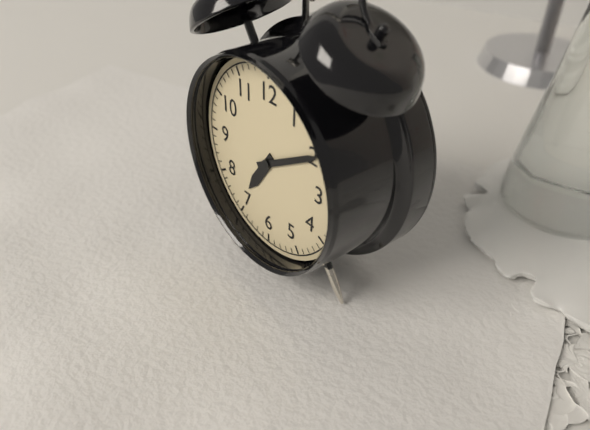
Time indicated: 7:10
